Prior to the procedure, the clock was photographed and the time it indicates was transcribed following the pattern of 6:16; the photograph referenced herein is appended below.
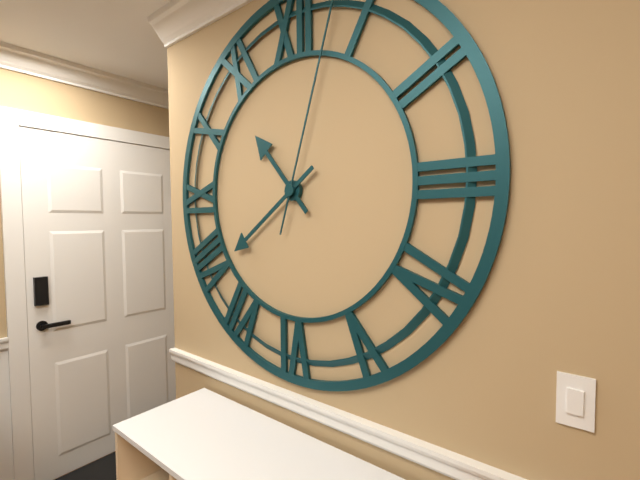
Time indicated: 10:39
